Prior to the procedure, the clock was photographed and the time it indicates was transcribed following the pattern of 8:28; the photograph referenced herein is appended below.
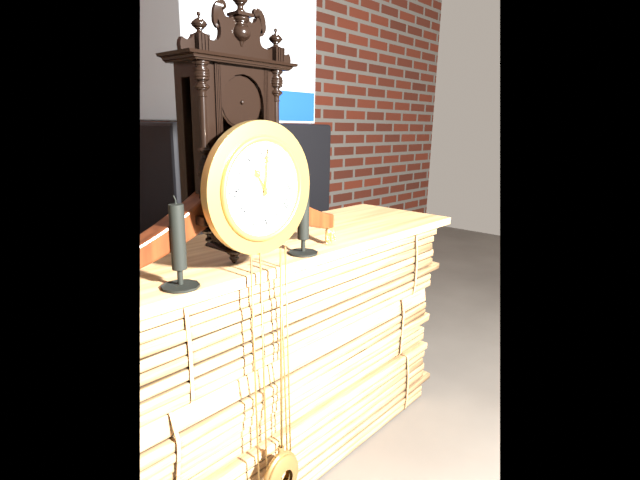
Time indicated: 11:01
